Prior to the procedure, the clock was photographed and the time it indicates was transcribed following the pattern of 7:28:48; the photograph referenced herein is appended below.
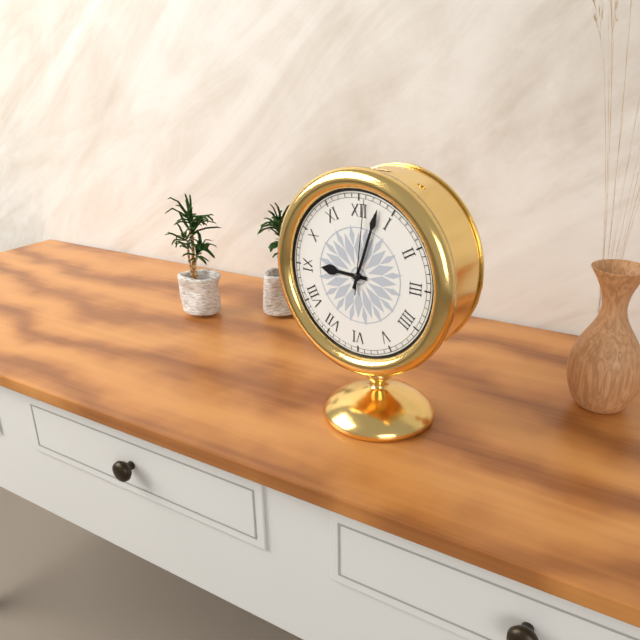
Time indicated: 9:03:01
